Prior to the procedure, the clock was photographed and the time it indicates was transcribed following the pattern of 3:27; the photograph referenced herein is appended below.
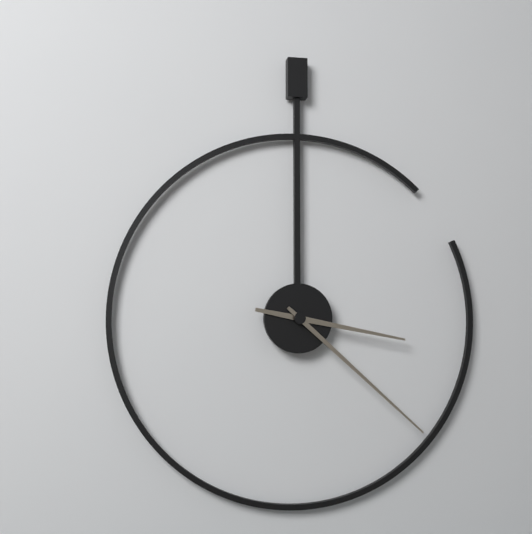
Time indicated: 3:22
